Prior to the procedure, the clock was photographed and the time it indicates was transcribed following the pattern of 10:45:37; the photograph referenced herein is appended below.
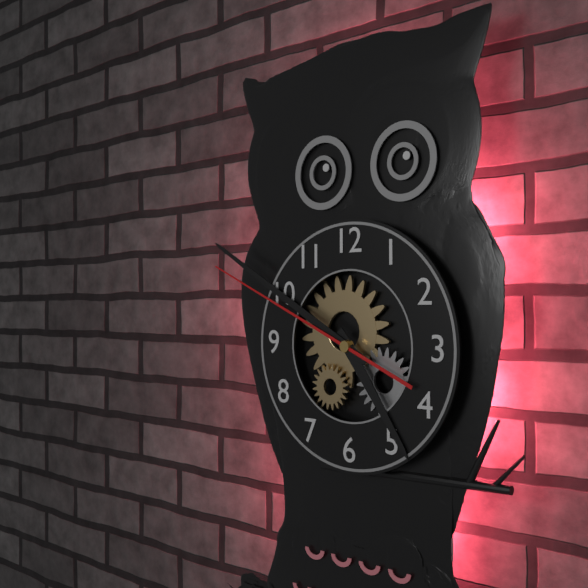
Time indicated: 4:50:49
